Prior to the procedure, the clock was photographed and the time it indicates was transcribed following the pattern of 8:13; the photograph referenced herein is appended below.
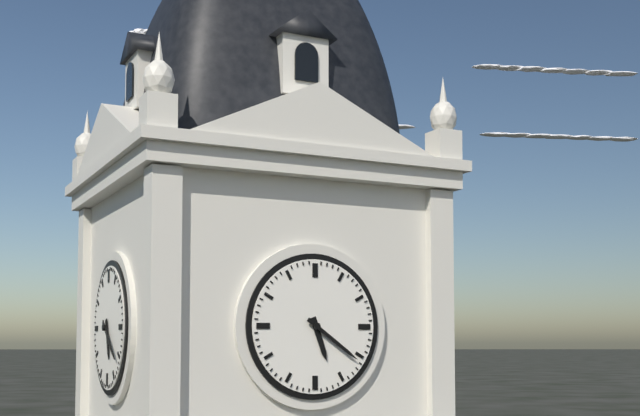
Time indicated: 5:21
